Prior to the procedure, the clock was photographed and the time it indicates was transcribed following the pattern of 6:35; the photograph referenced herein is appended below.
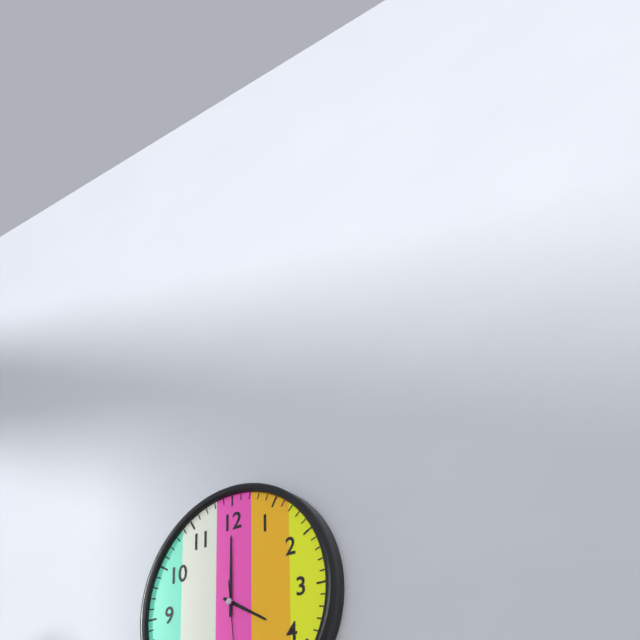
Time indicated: 4:00
